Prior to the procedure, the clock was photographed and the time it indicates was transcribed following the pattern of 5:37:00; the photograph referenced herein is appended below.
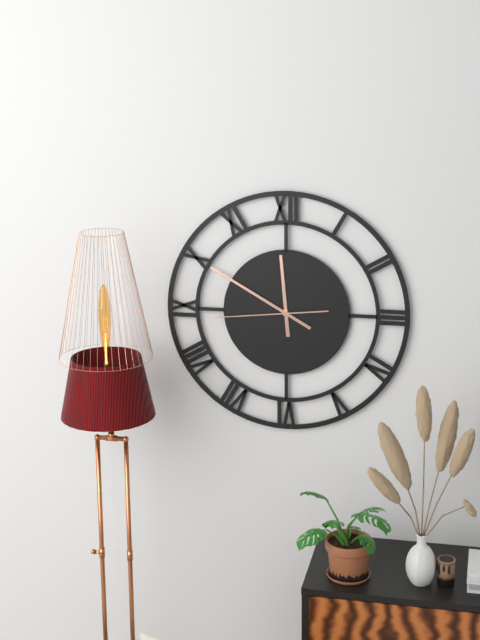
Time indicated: 11:50:44
